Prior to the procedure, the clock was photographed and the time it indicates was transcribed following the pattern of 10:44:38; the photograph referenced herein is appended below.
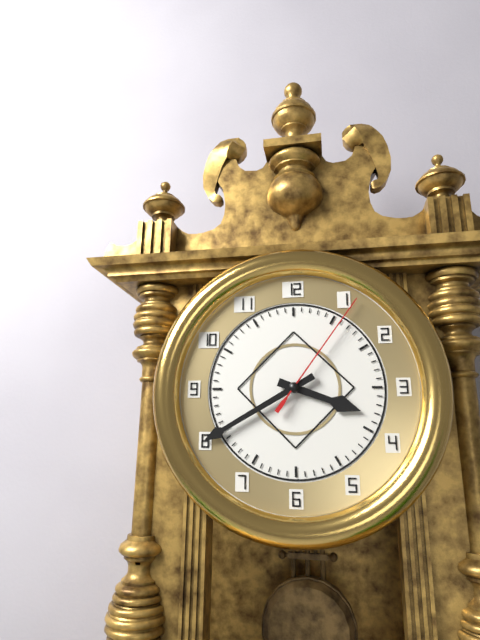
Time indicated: 3:40:06
